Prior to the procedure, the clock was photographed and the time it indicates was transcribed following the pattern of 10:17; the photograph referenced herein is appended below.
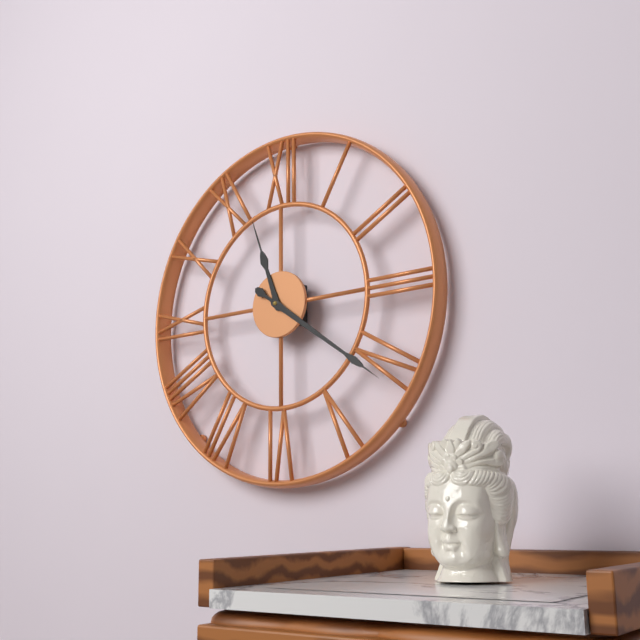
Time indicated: 11:21
